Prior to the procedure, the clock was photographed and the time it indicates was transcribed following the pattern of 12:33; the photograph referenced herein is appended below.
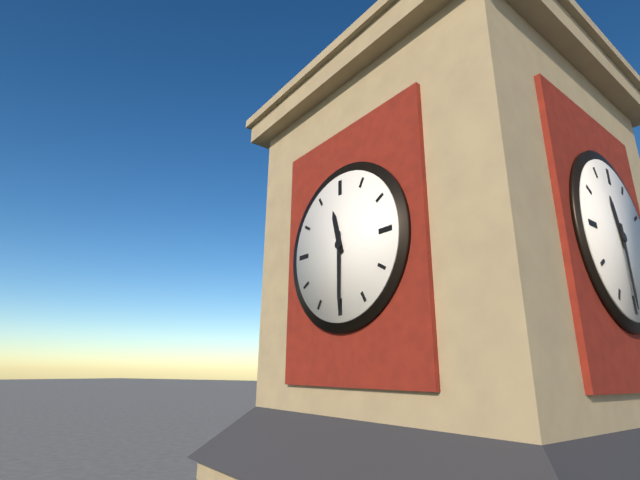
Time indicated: 11:30
